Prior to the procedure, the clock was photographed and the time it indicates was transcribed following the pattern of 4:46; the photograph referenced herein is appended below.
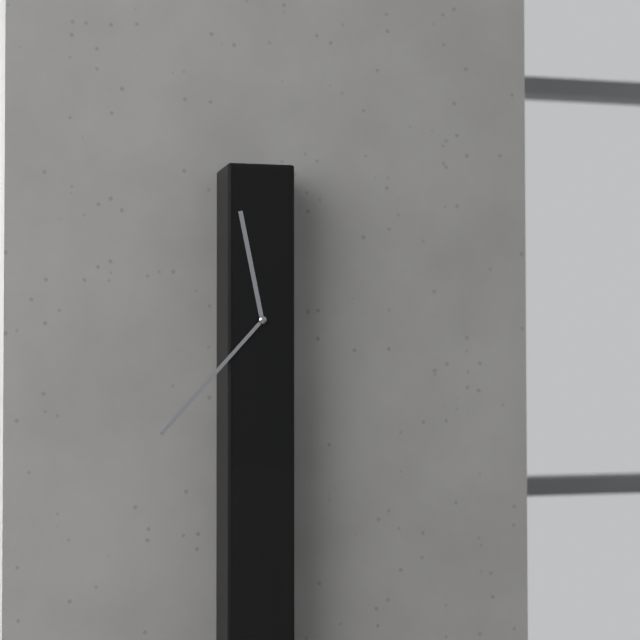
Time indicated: 11:37
